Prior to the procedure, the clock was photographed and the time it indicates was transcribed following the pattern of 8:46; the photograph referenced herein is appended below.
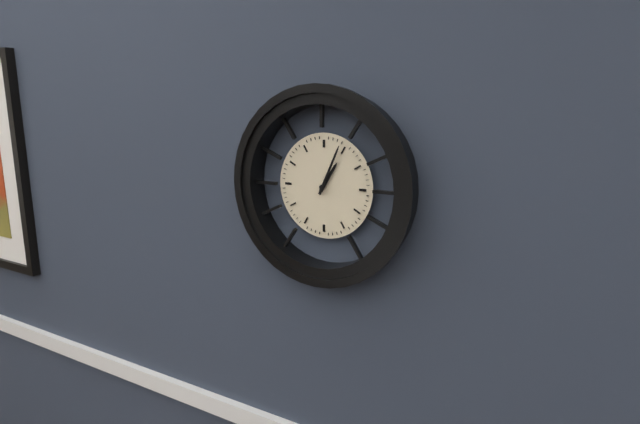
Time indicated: 1:04
